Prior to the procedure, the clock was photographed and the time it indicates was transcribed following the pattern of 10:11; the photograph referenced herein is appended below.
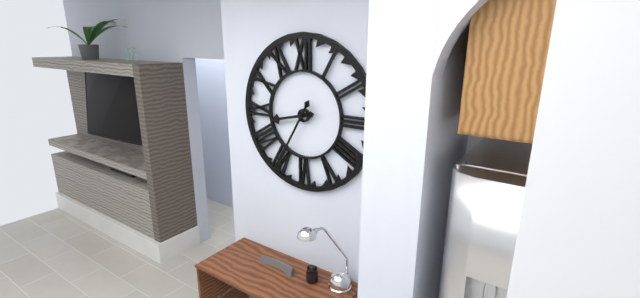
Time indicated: 8:35
